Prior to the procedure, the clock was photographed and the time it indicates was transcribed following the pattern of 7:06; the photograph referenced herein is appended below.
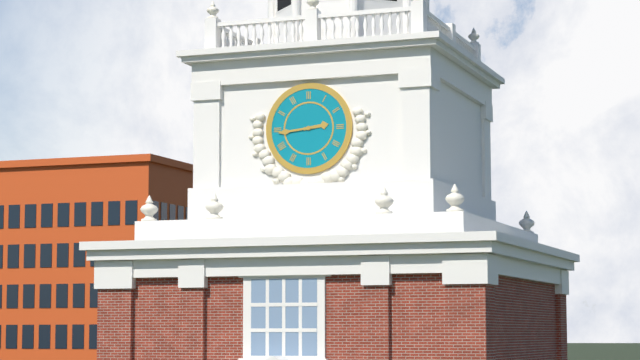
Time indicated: 2:44
